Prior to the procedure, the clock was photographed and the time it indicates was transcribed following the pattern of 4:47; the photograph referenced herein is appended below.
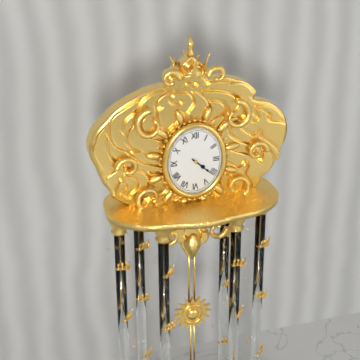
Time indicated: 4:22
